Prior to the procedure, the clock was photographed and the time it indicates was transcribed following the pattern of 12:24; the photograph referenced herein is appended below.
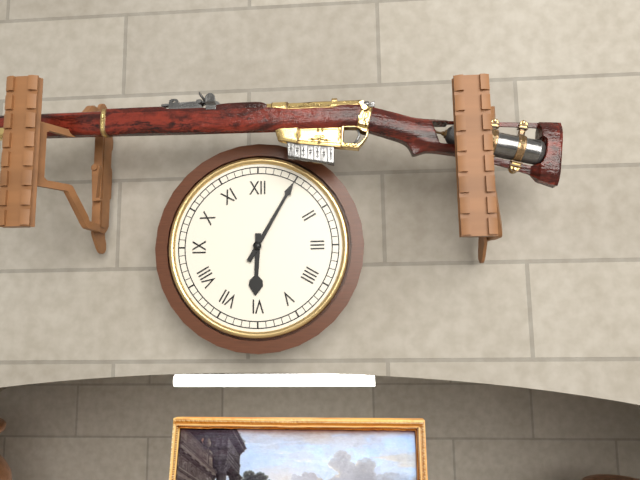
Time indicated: 6:05
